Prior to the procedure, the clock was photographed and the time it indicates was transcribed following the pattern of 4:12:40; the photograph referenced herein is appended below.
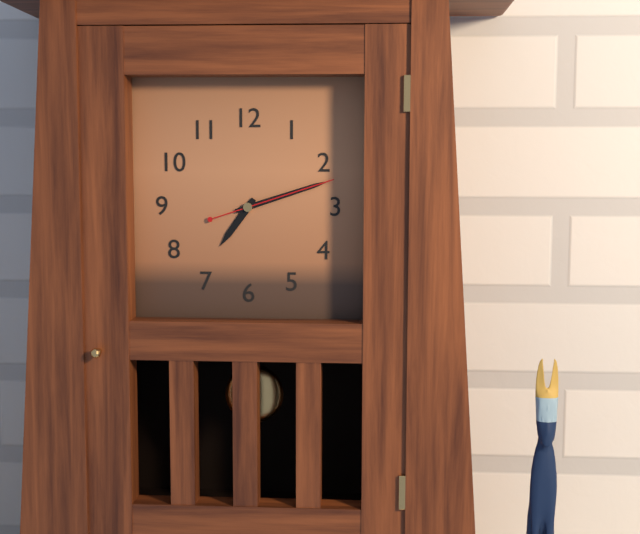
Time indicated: 7:12:12
